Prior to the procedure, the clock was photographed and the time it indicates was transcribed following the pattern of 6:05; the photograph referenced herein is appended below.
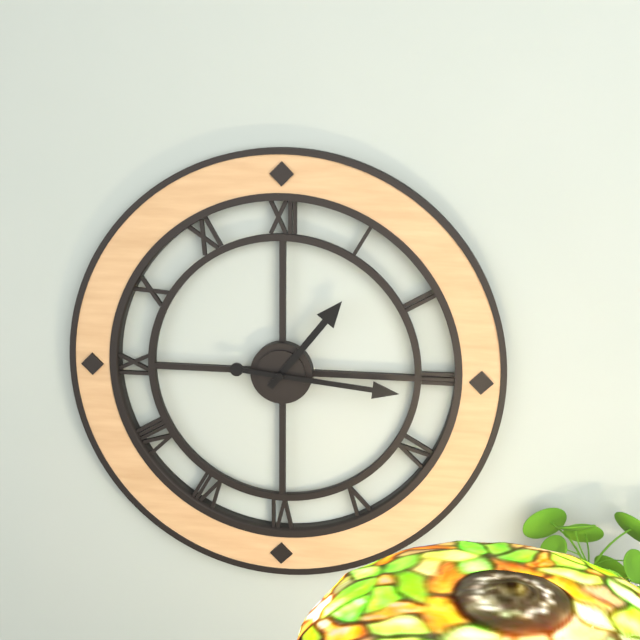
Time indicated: 1:16
